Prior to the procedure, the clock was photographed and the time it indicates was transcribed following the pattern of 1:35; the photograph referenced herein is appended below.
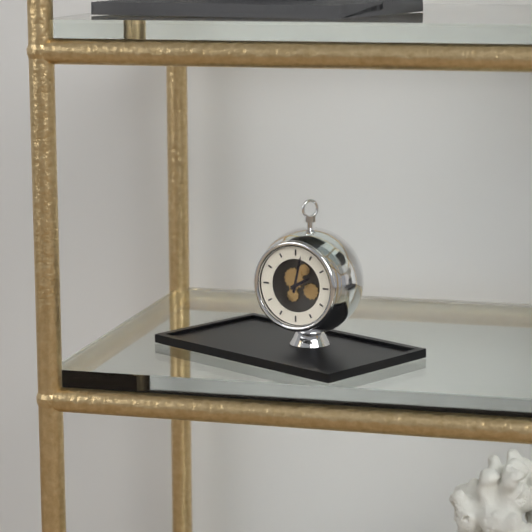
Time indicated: 2:02
